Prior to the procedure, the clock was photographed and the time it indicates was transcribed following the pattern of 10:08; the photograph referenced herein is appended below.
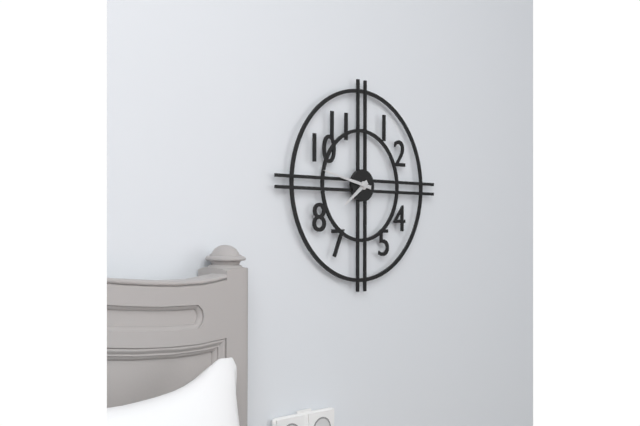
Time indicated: 7:47
